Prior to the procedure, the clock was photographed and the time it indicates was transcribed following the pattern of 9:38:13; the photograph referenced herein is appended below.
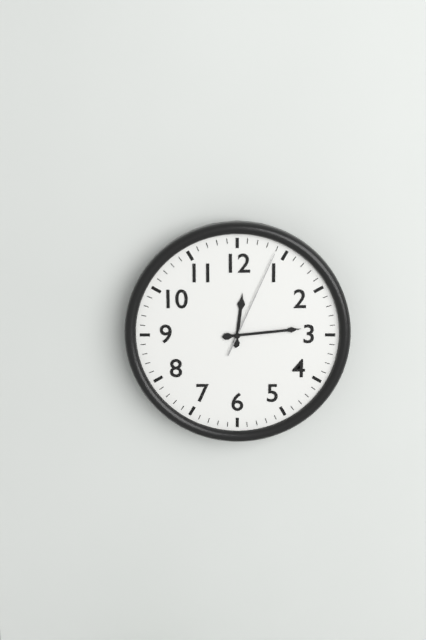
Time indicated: 12:14:04
